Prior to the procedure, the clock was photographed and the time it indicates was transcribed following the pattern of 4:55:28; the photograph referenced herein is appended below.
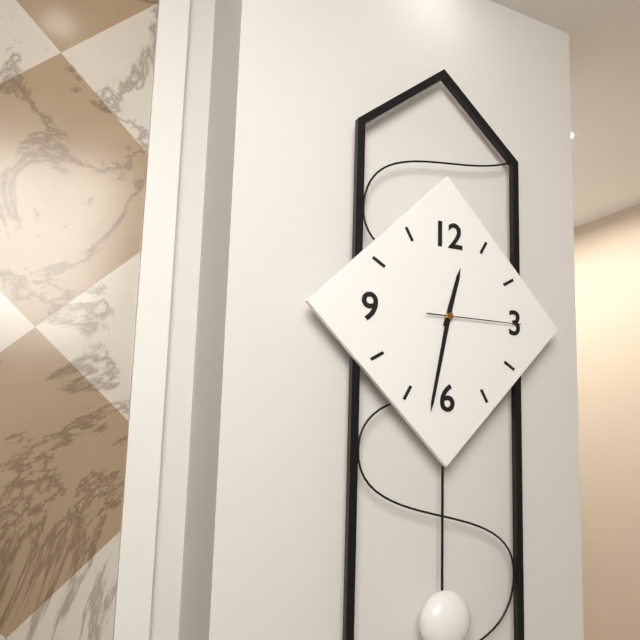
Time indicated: 12:32:15
